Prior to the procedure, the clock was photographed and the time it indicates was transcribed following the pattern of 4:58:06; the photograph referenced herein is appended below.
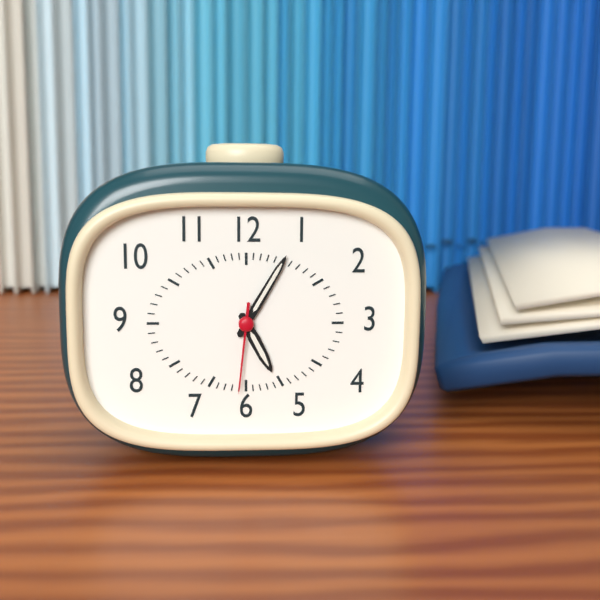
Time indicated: 5:05:31
